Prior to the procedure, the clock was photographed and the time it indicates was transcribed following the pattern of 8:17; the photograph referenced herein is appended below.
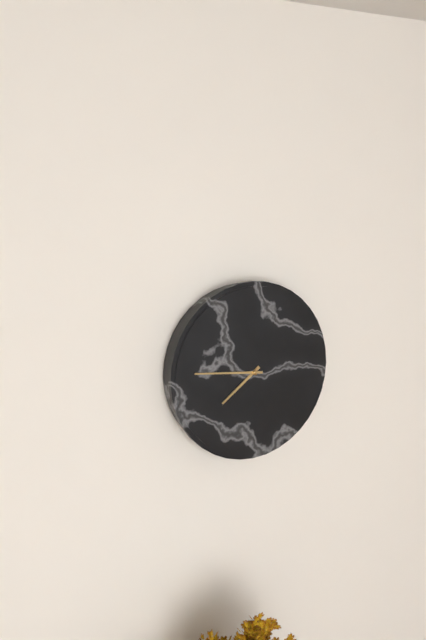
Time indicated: 7:46
